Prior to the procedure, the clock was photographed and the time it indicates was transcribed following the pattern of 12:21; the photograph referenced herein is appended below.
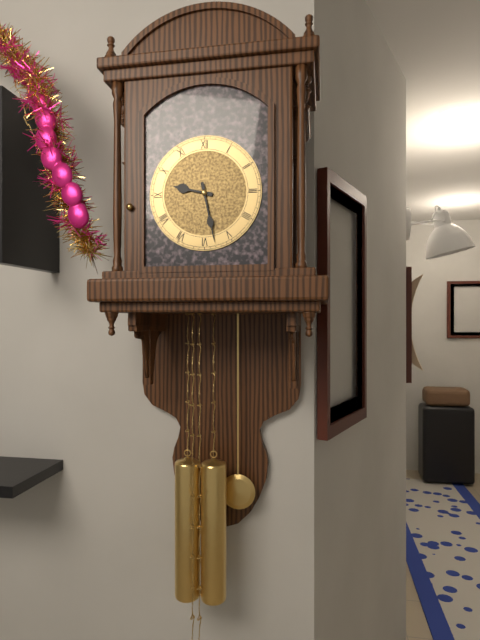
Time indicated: 9:28
